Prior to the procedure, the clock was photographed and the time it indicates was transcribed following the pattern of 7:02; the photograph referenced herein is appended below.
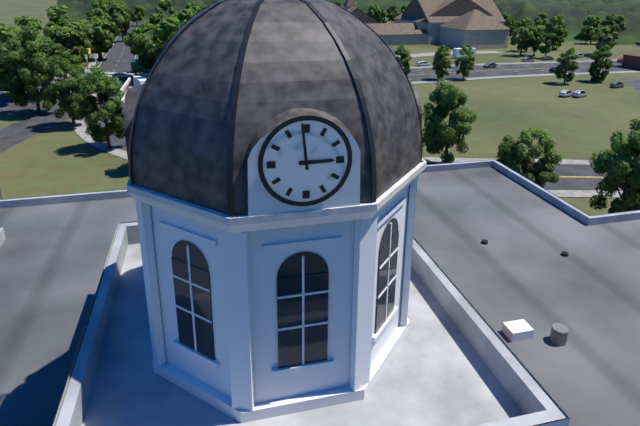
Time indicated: 2:59
